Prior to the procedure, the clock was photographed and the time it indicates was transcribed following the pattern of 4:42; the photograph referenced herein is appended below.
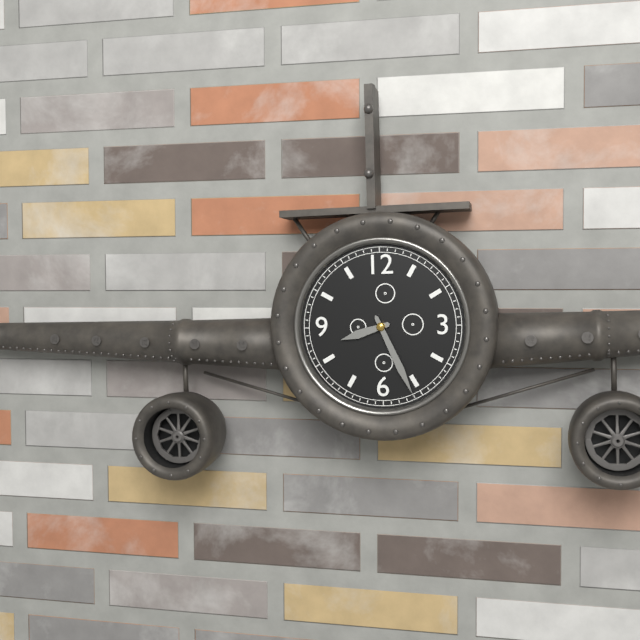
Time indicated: 8:26
